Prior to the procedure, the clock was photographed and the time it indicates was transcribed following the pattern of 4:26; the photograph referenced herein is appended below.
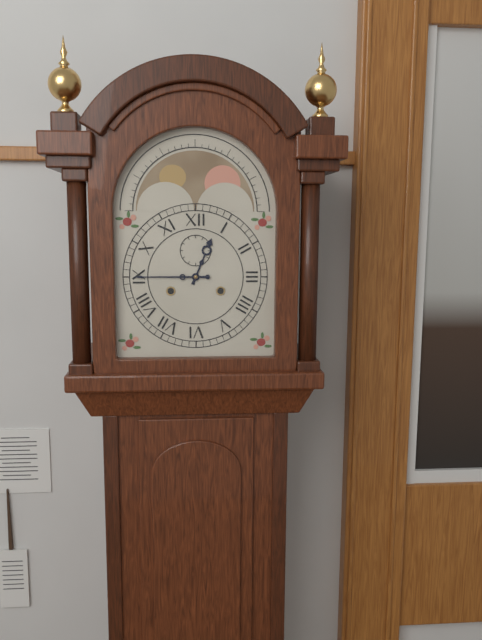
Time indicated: 12:45
